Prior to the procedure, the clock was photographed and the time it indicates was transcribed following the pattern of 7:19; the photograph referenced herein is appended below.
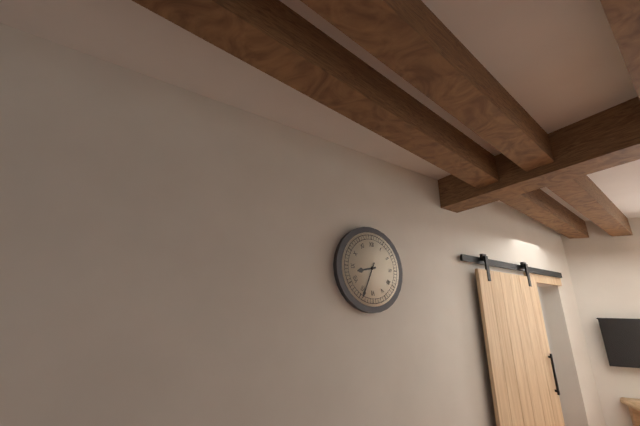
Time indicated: 8:34
